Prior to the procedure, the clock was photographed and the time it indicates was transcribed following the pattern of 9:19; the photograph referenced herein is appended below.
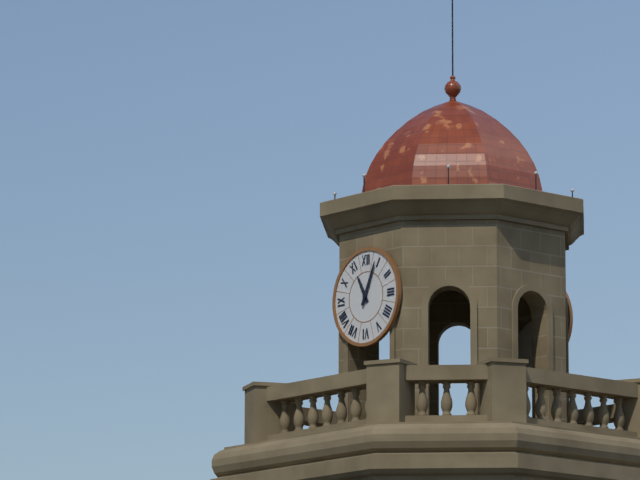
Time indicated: 11:04
